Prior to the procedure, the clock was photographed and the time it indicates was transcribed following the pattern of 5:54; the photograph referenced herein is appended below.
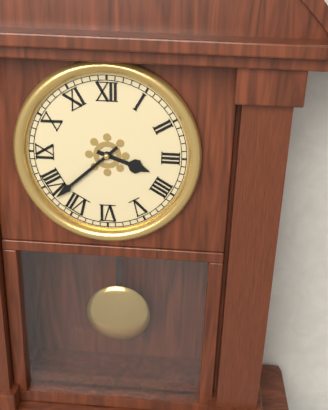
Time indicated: 3:38
